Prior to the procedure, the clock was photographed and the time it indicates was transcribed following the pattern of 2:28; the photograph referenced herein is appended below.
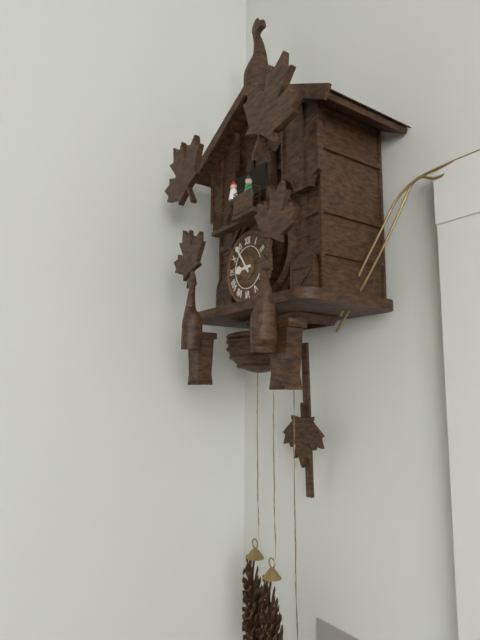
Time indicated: 8:54
